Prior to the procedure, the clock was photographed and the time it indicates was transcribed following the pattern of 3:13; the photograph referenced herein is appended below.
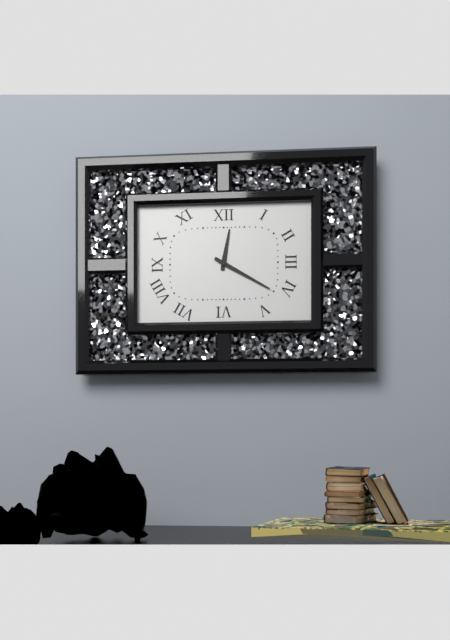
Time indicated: 12:20
